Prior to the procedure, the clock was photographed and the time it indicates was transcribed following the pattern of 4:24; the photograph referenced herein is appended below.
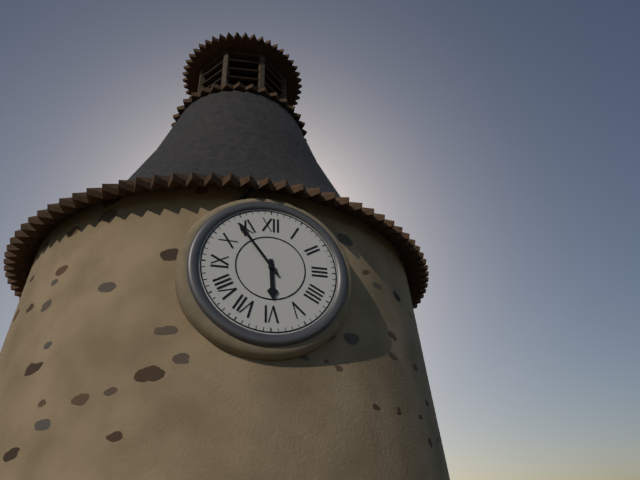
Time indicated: 5:54
